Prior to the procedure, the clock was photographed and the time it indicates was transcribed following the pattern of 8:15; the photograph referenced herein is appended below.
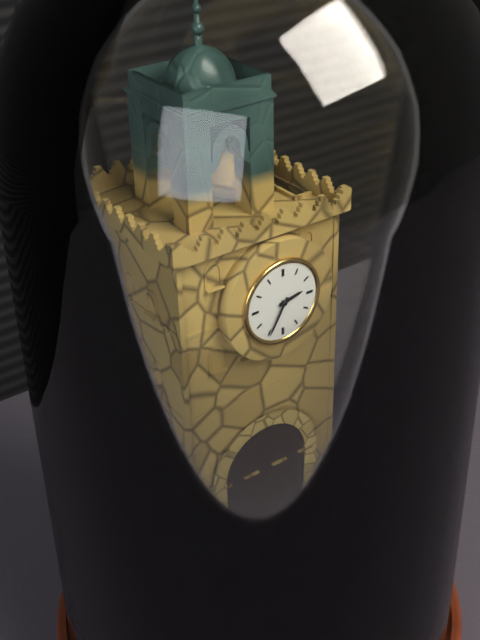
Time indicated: 2:35
